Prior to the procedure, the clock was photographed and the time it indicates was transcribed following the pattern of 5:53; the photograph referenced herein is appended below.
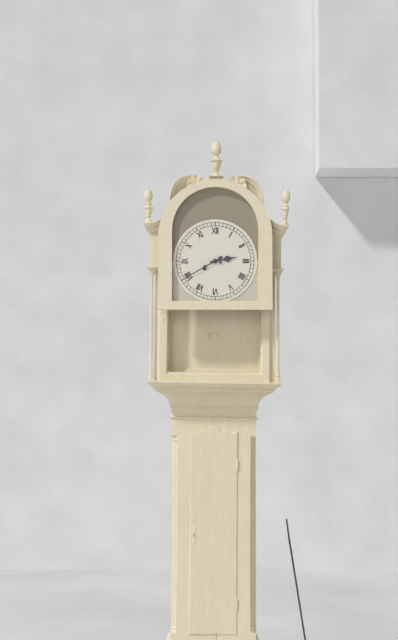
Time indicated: 2:40
